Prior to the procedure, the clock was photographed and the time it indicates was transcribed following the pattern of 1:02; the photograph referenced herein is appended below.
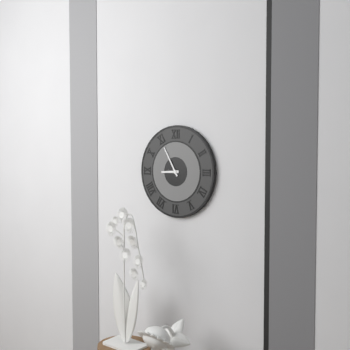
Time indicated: 8:55
